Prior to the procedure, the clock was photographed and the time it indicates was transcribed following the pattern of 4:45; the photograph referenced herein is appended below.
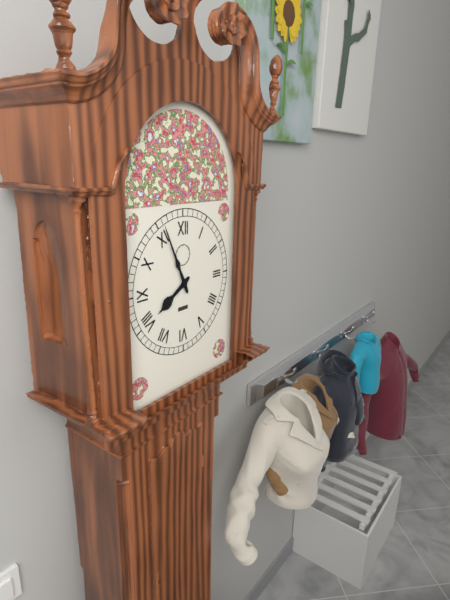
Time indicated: 7:56
